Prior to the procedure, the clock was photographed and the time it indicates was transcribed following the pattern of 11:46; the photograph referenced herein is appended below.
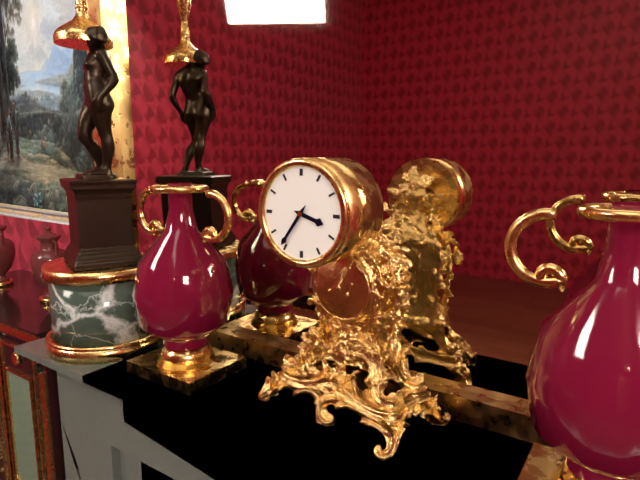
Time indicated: 3:36
